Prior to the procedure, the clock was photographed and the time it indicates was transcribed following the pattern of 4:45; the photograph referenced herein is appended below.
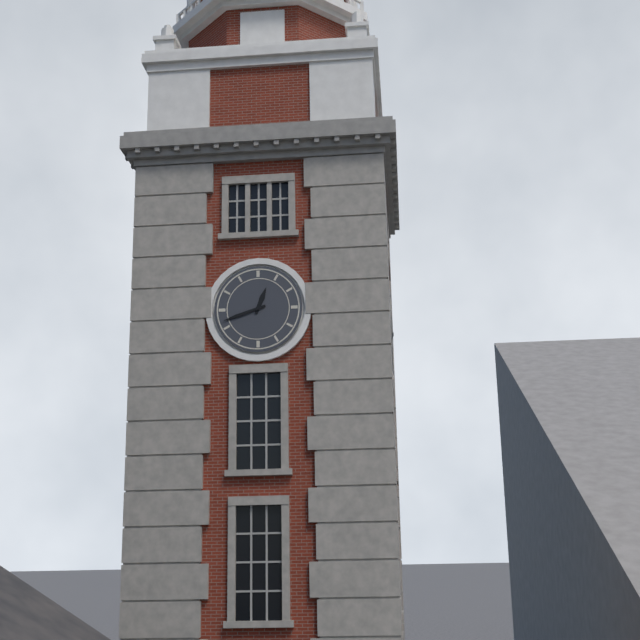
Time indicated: 12:42
